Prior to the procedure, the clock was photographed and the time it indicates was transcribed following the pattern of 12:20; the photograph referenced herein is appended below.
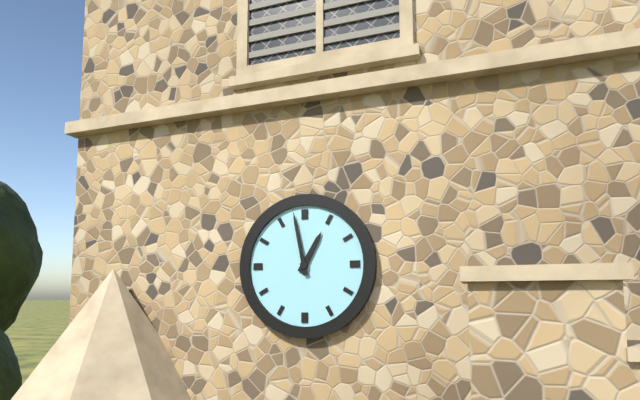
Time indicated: 12:58
